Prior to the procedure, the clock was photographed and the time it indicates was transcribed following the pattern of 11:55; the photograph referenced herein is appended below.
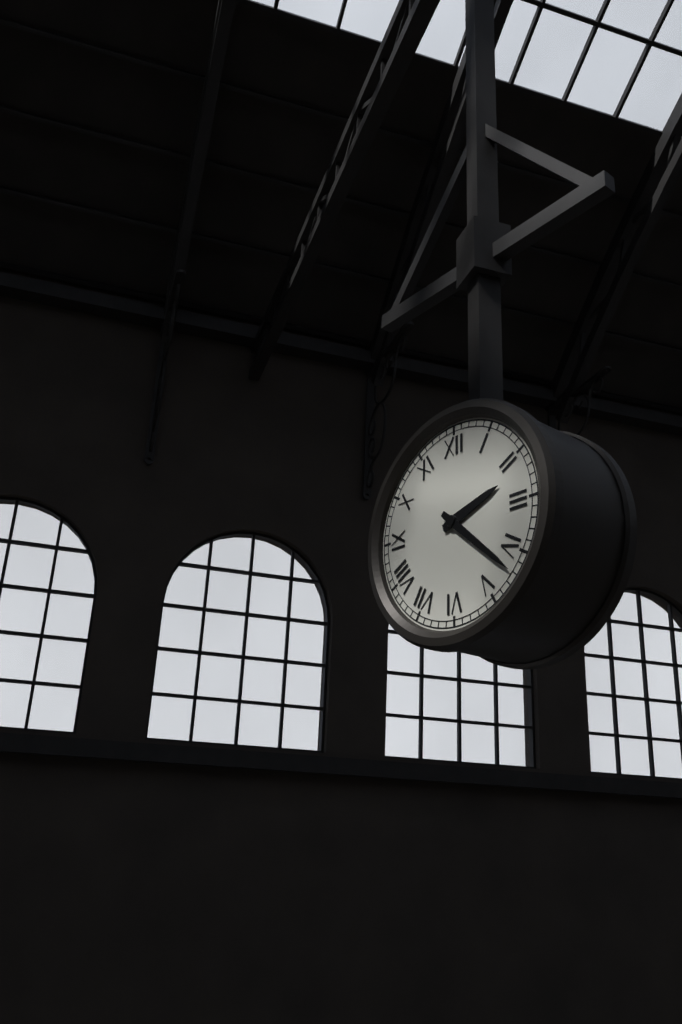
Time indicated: 2:22
